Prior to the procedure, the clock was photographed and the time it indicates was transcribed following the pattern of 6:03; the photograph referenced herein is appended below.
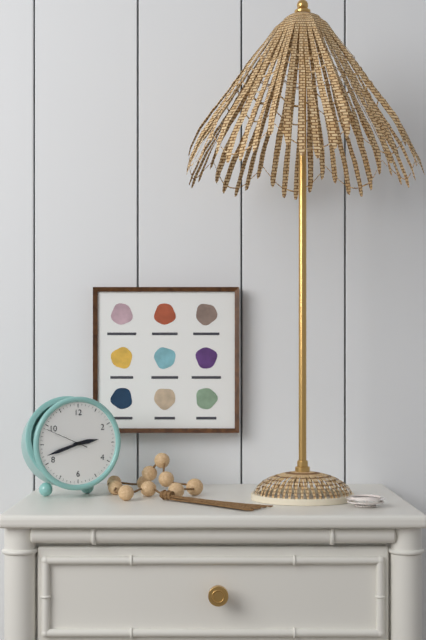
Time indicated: 2:42
